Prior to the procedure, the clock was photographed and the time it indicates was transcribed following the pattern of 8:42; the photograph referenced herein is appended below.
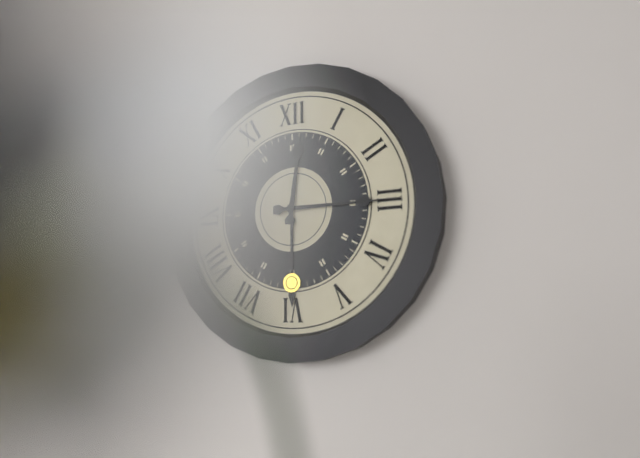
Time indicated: 12:15
